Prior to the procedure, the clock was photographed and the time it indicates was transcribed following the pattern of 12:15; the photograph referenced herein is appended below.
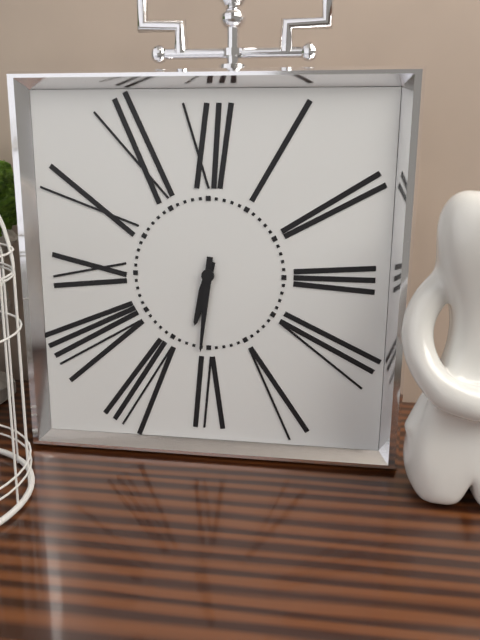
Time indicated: 6:31
